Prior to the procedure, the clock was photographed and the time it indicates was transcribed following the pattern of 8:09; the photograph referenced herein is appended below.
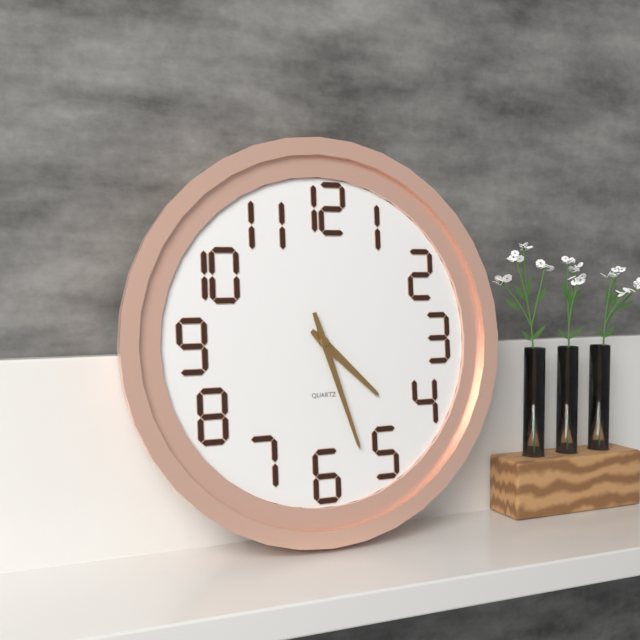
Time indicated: 4:27
